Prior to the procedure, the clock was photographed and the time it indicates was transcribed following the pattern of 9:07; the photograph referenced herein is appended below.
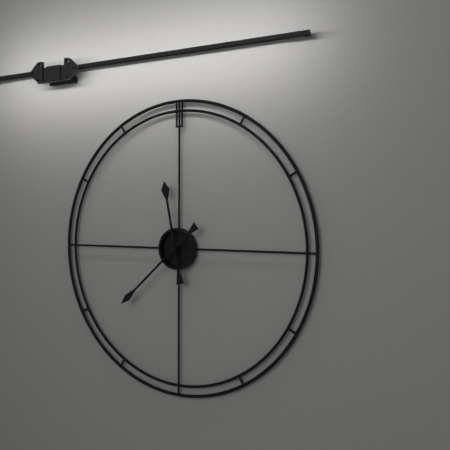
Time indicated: 11:38
